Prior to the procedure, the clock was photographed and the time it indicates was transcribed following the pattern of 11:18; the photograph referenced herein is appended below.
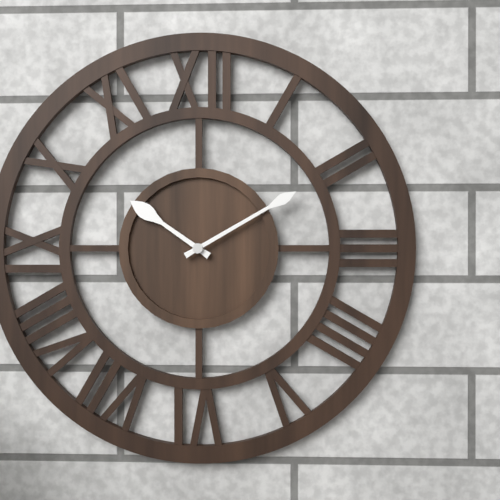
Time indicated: 10:10
